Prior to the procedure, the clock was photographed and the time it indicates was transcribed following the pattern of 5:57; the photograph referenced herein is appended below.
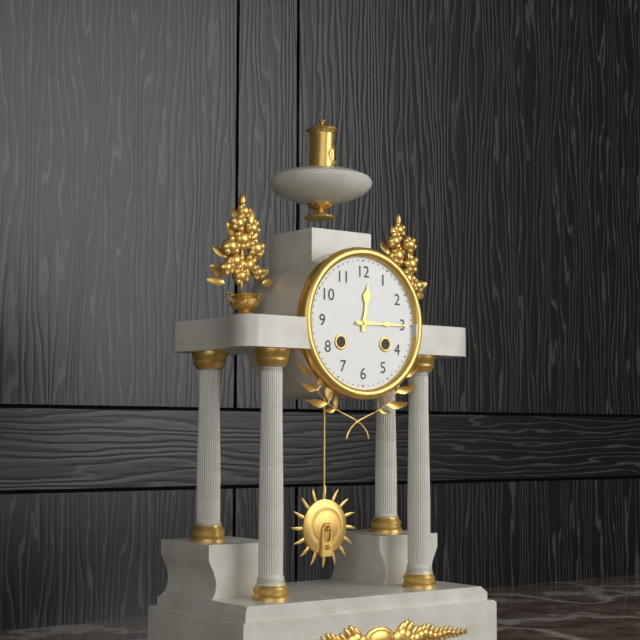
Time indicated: 12:15
